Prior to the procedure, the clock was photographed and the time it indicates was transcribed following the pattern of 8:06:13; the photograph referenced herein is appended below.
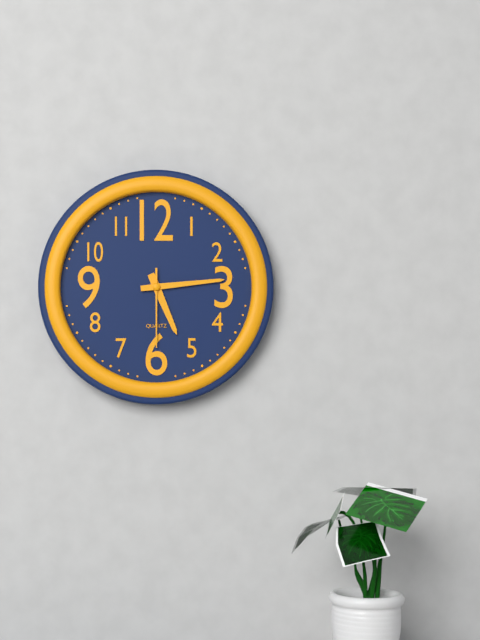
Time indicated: 5:14:30
